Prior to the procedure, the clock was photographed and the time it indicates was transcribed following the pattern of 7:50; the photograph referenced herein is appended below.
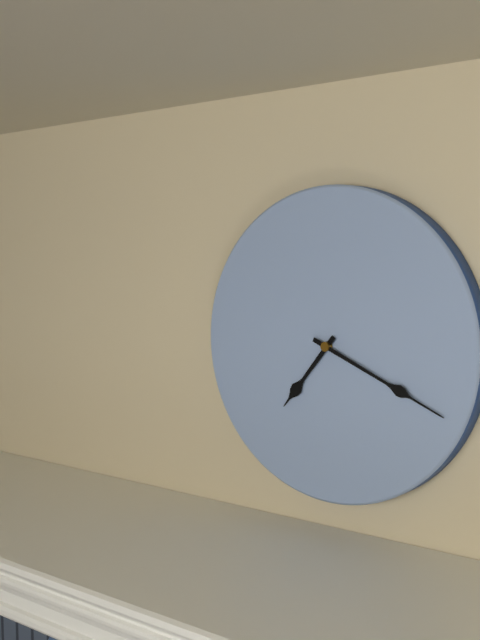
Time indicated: 7:19
